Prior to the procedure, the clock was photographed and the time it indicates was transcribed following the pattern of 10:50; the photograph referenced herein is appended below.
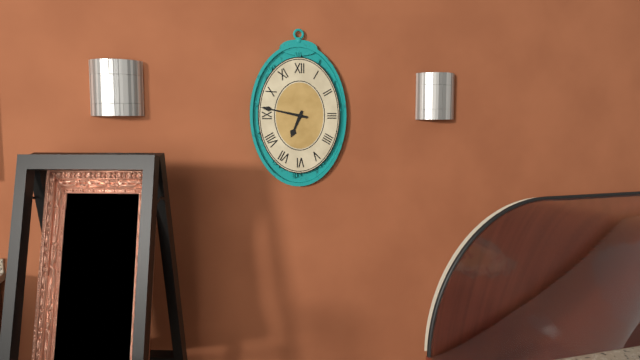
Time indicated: 6:47
